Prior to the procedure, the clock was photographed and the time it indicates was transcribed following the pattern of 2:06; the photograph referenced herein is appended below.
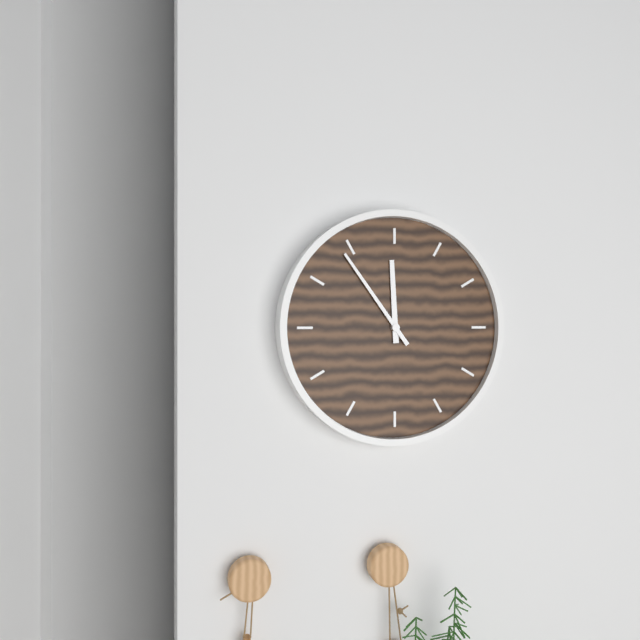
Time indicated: 11:54
